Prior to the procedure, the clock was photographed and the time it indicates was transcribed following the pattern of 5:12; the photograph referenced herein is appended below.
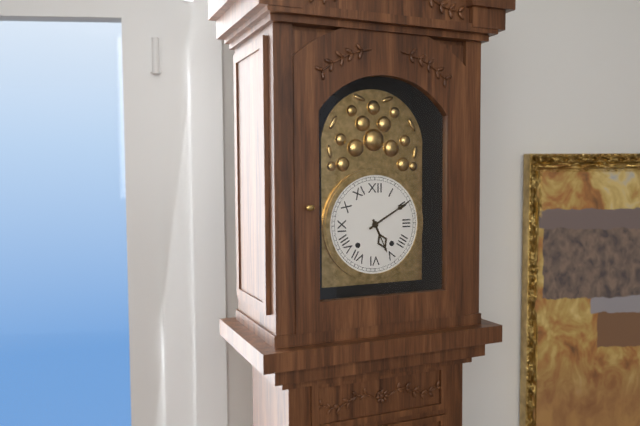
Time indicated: 5:10
